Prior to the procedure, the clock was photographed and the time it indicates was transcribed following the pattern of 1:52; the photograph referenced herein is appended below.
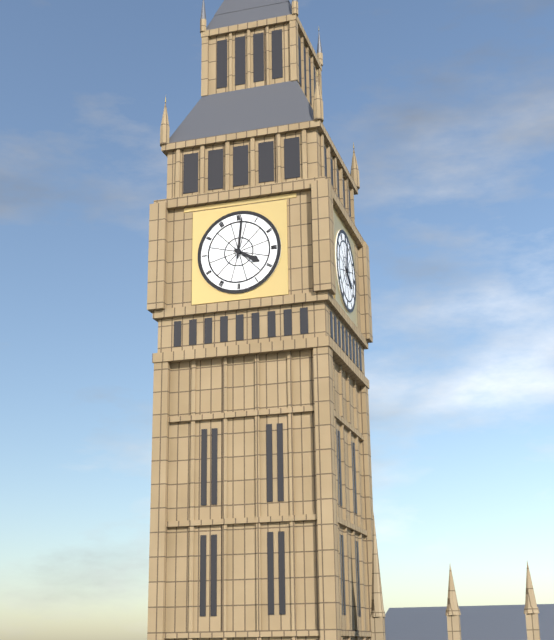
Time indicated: 4:01
